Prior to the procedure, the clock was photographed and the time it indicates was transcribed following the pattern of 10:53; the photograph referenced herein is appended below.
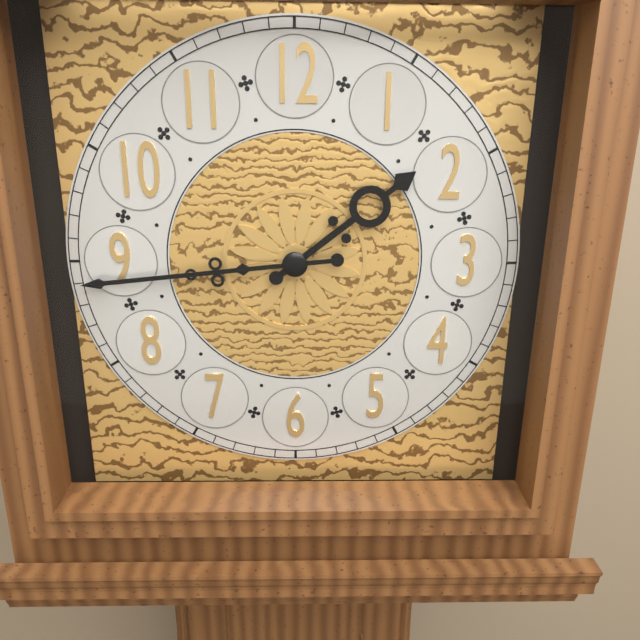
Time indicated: 1:44
